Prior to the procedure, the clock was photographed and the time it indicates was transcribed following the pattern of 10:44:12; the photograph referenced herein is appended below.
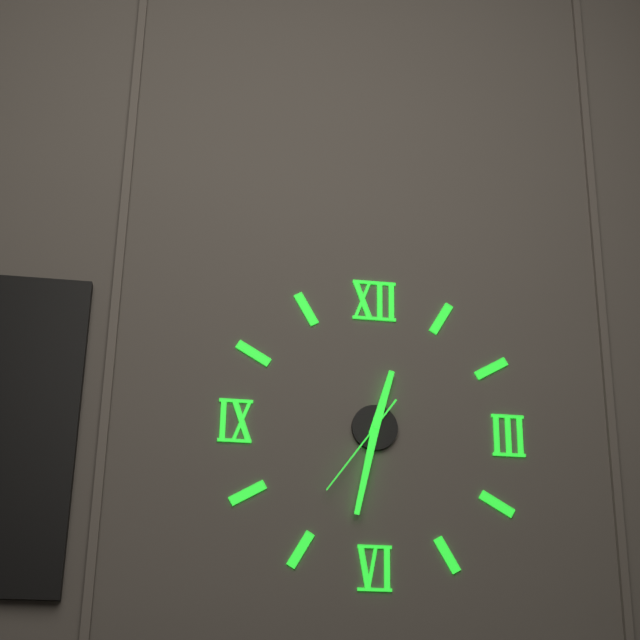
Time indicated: 12:32:36
